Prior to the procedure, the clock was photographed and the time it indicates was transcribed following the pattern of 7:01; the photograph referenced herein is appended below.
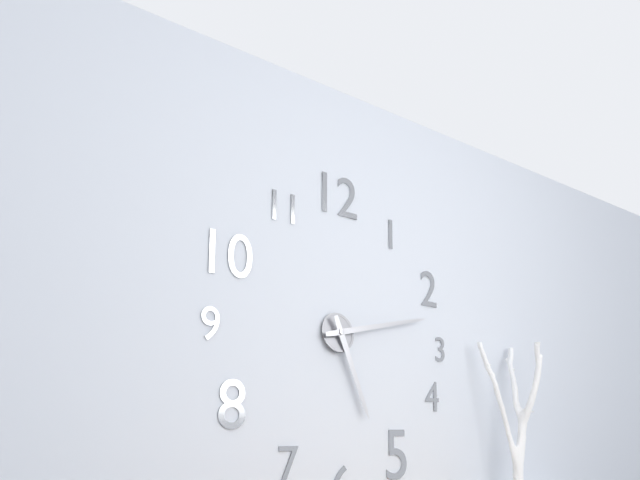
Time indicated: 5:13
